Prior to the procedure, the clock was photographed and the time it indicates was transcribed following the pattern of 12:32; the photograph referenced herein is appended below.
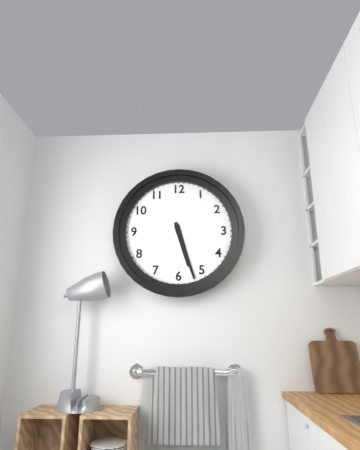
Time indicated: 5:27
